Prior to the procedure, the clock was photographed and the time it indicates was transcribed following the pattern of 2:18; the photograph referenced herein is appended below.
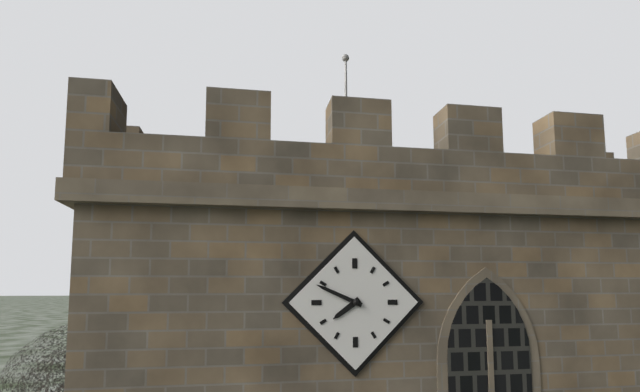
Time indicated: 7:49
